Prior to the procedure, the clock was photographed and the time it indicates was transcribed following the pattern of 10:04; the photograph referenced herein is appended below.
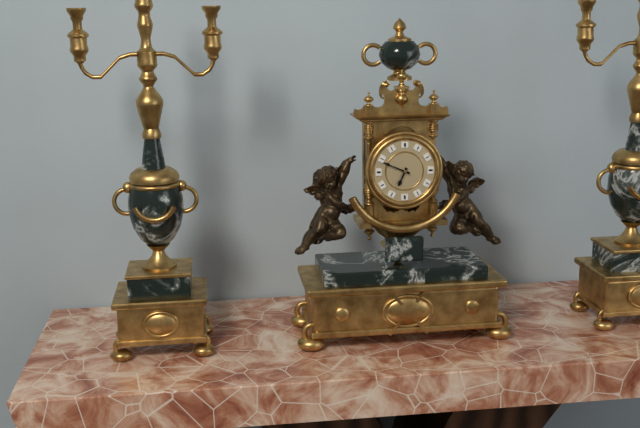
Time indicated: 6:49
